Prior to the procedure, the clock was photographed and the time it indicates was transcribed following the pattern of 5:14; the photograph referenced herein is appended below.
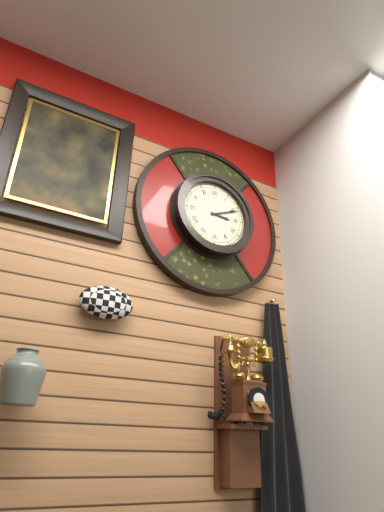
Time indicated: 3:11
